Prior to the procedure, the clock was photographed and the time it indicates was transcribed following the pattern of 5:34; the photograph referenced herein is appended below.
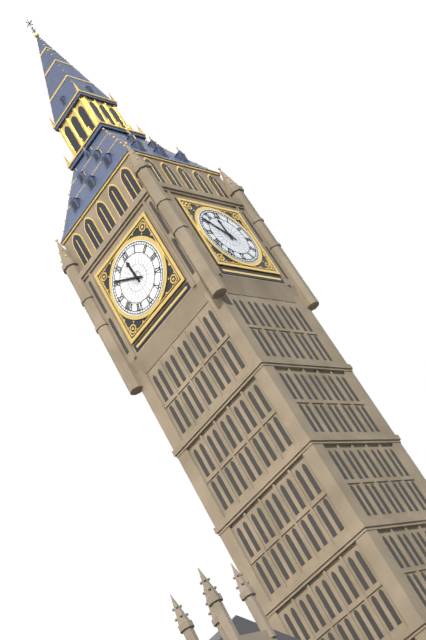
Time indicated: 11:51
